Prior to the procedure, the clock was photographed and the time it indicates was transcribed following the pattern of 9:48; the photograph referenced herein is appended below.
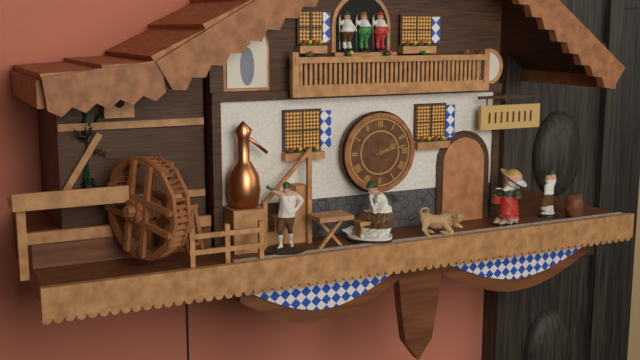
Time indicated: 2:13
